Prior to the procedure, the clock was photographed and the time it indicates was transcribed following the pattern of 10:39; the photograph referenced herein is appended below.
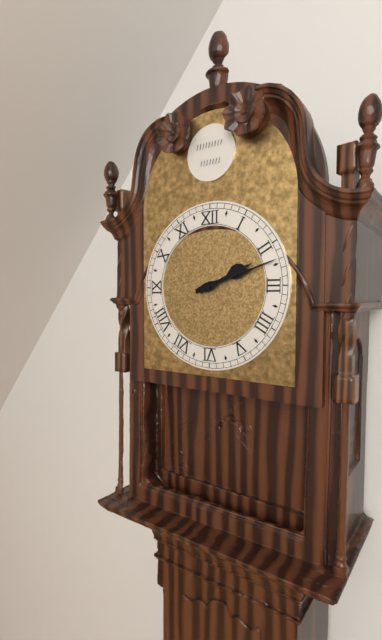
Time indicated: 2:12
